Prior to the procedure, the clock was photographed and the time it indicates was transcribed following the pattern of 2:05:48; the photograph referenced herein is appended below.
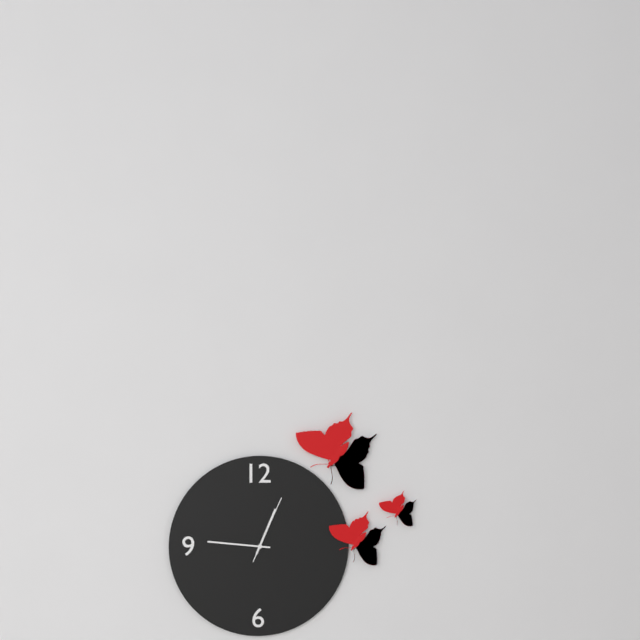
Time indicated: 12:46:04
